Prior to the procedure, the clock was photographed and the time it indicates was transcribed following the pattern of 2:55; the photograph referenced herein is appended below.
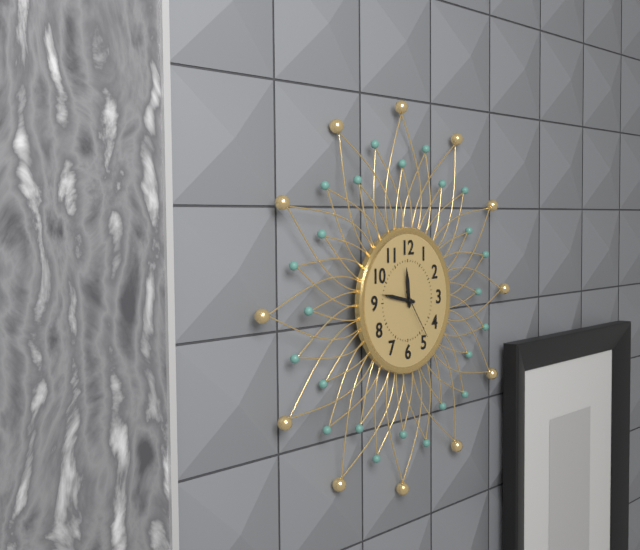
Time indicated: 11:47
